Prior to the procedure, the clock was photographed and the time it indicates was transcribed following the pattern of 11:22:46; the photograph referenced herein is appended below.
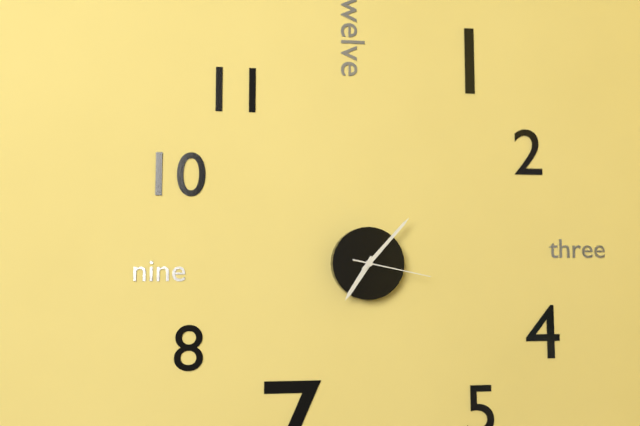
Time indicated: 7:07:17
